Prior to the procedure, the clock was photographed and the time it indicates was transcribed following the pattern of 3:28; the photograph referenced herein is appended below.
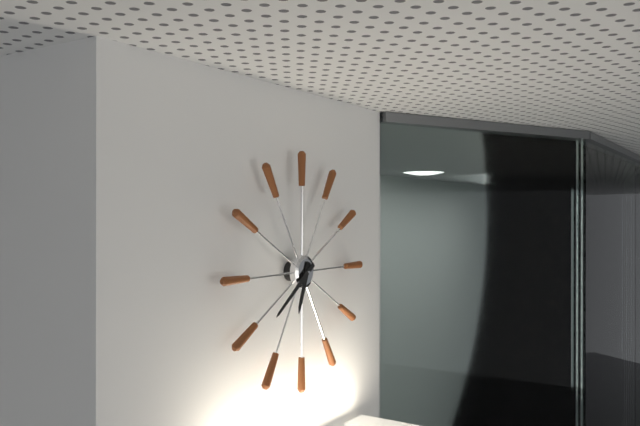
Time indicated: 6:39
